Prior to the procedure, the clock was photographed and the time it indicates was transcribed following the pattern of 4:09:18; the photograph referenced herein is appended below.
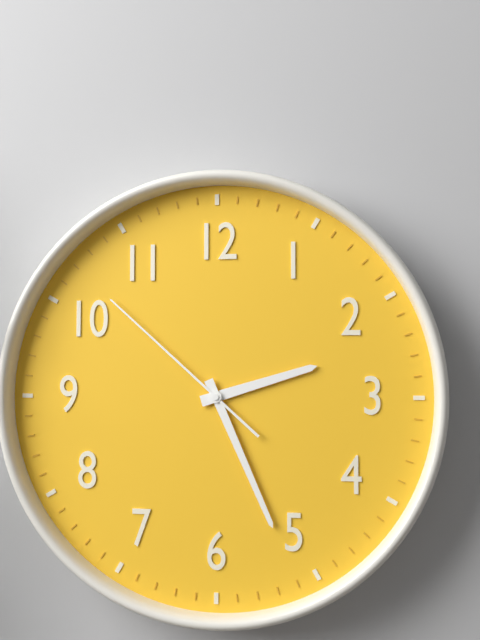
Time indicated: 2:26:52
